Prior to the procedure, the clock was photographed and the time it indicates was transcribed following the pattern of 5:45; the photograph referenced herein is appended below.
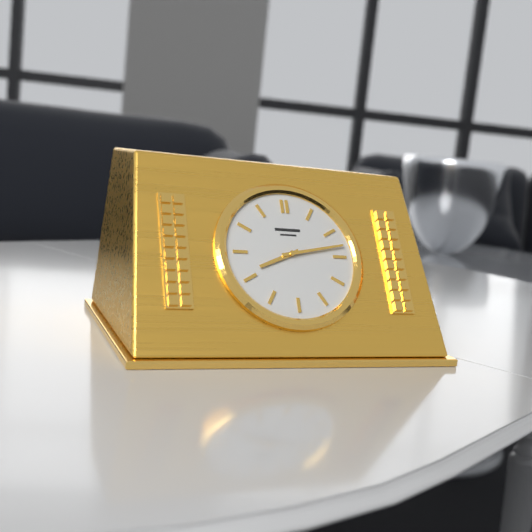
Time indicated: 8:13
